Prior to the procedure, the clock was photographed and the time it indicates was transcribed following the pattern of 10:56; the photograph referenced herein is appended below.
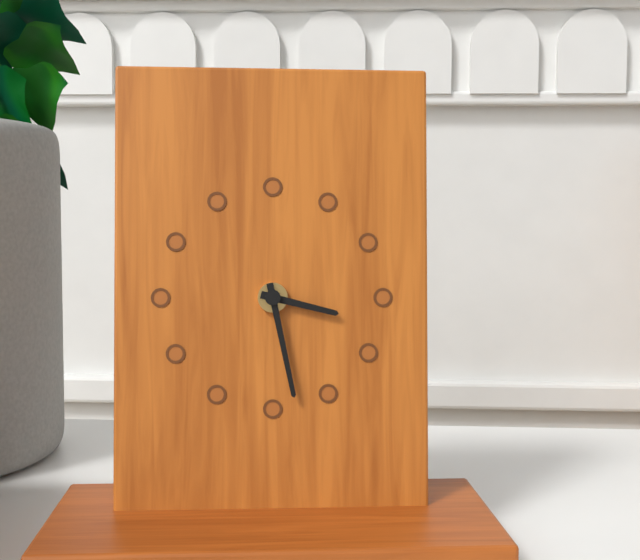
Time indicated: 3:28
